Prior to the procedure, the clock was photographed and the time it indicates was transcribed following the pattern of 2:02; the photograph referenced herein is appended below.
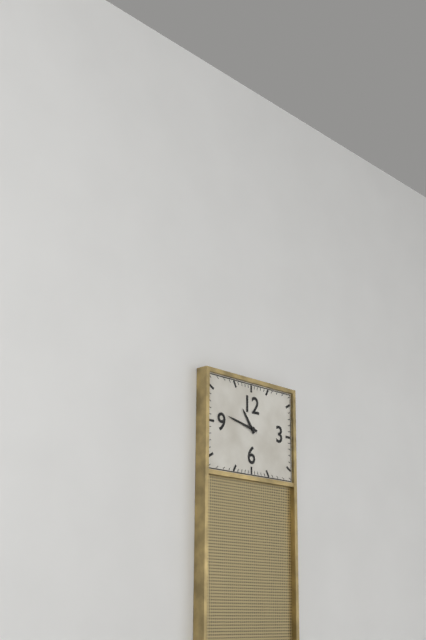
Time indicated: 10:47
